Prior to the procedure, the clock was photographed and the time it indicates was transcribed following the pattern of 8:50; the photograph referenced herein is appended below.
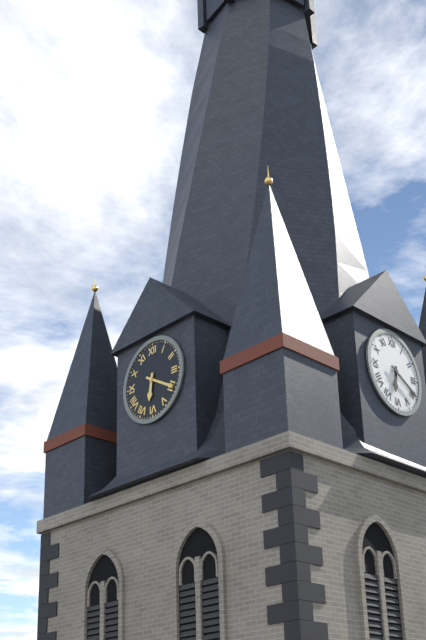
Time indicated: 6:20
